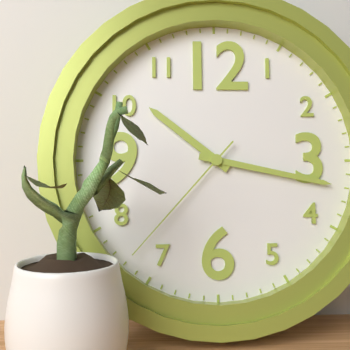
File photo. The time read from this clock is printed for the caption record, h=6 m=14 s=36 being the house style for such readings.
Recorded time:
h=10 m=17 s=37
